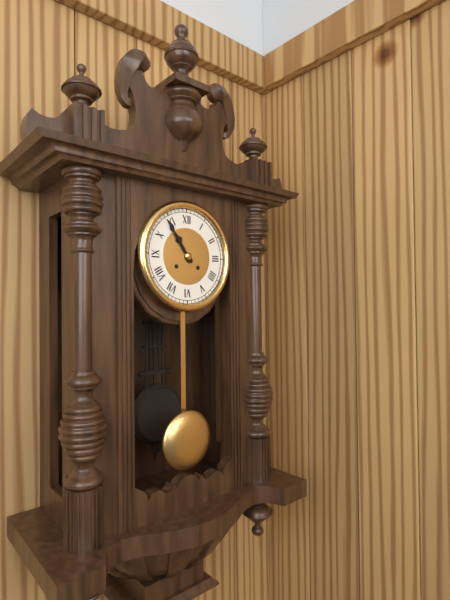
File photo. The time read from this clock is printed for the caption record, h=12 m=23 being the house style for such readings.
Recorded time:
h=10 m=54
